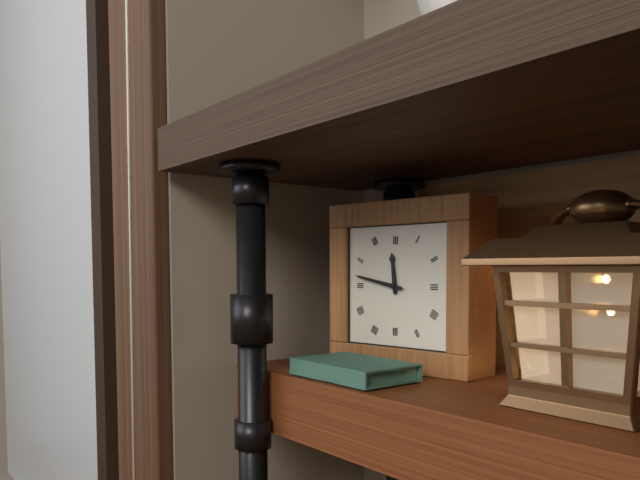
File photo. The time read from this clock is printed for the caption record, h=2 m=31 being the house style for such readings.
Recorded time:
h=11 m=47
